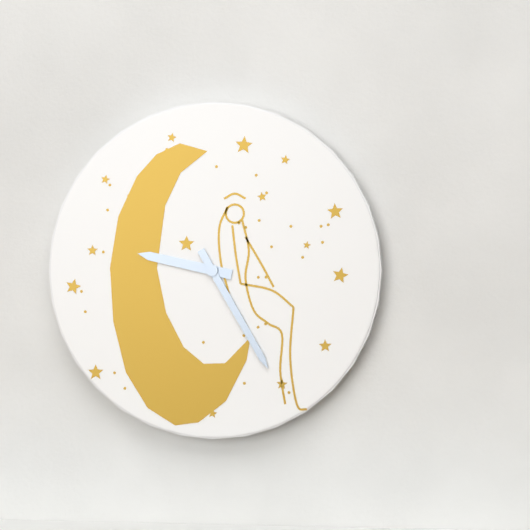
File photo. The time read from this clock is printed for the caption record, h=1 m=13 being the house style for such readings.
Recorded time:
h=9 m=25
